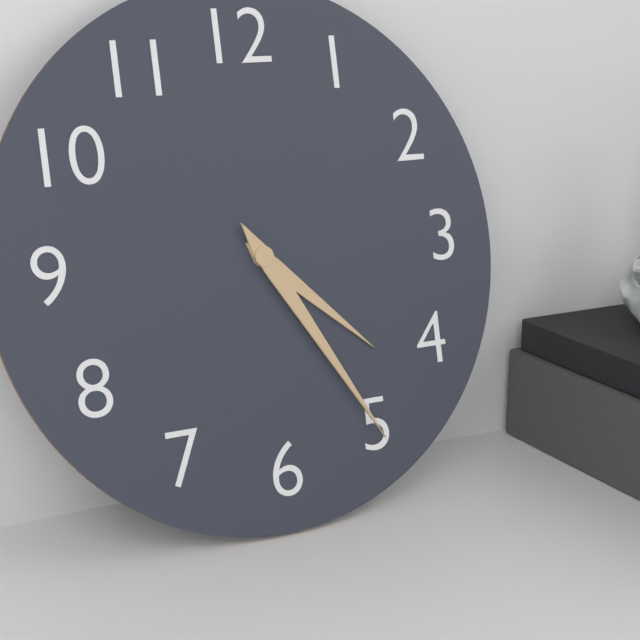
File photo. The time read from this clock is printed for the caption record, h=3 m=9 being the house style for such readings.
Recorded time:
h=4 m=25
